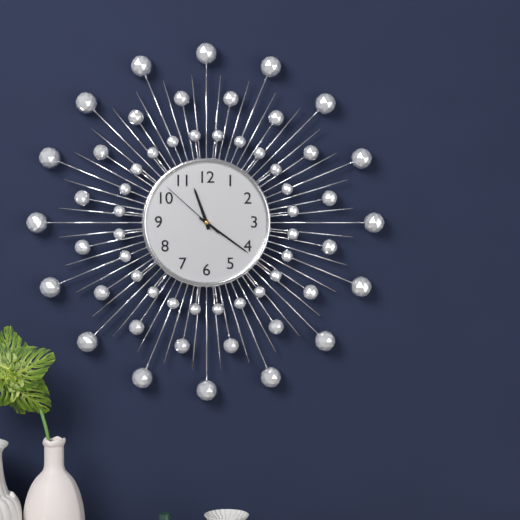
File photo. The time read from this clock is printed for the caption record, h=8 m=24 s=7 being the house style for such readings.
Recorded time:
h=11 m=21 s=52
